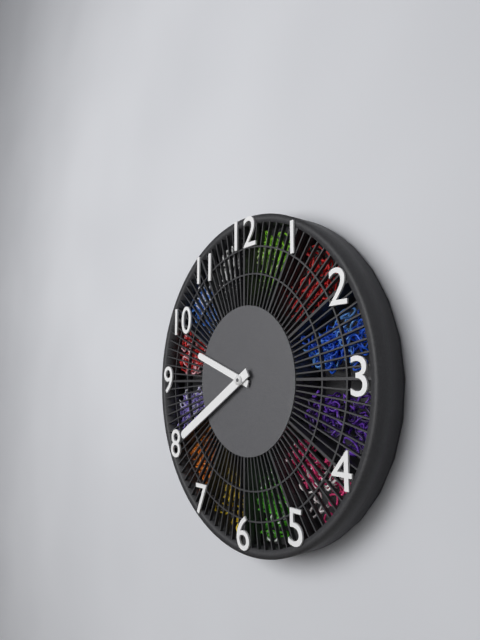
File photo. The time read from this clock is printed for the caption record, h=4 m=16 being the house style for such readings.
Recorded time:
h=9 m=40
